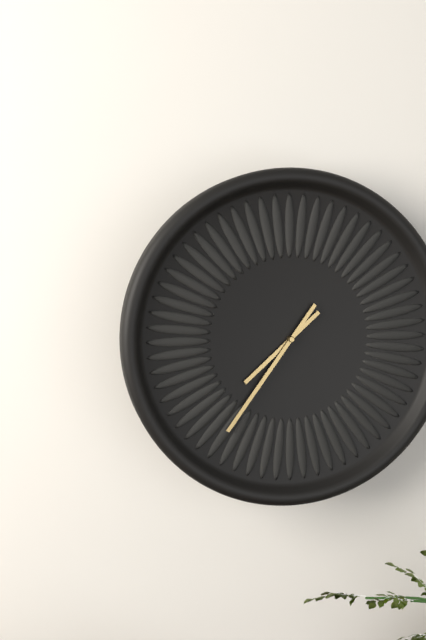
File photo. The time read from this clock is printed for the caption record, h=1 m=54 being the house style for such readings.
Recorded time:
h=7 m=36
